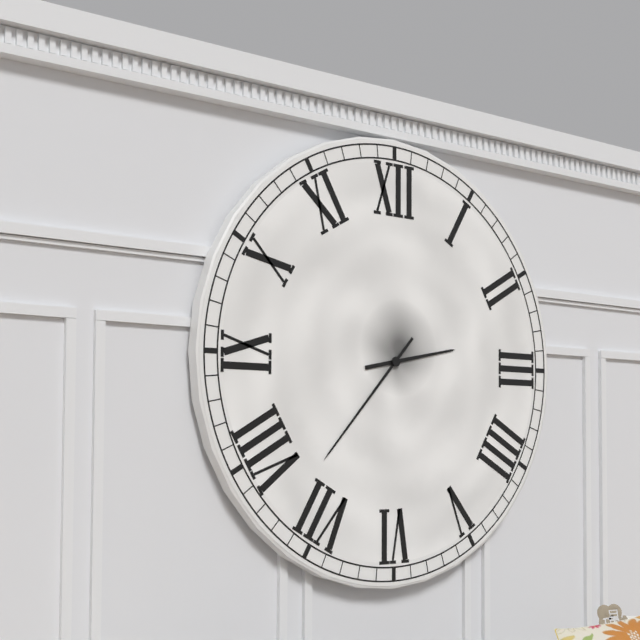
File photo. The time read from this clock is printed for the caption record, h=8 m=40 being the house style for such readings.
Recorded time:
h=2 m=37
